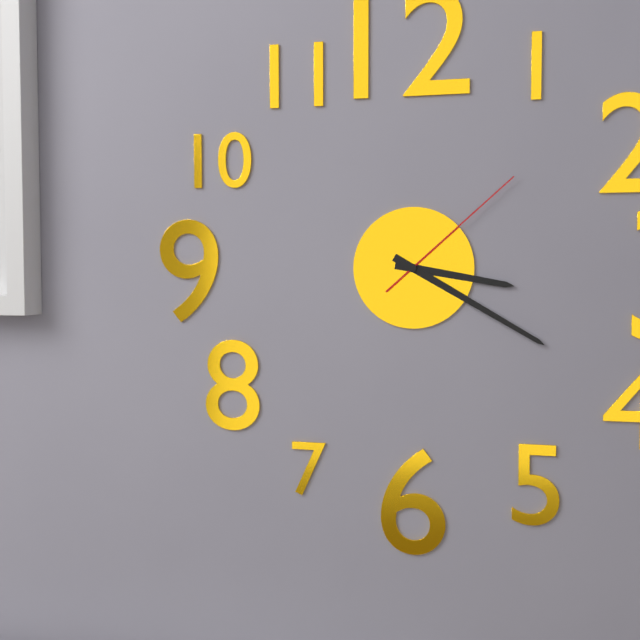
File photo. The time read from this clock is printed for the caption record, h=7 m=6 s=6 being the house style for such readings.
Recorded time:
h=3 m=20 s=8
